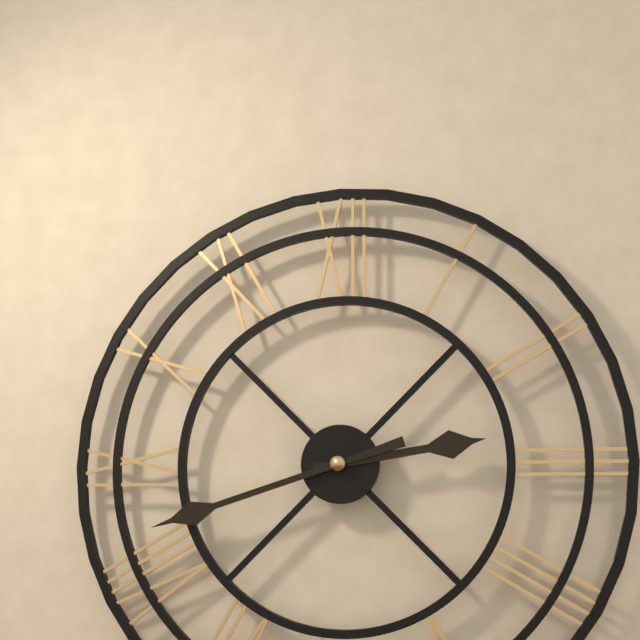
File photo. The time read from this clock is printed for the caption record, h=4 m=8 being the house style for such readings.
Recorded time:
h=2 m=42
